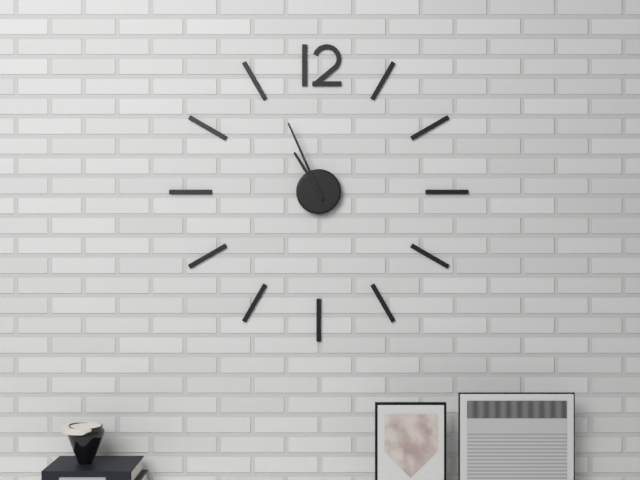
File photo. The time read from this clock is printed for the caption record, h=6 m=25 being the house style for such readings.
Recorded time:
h=10 m=56
